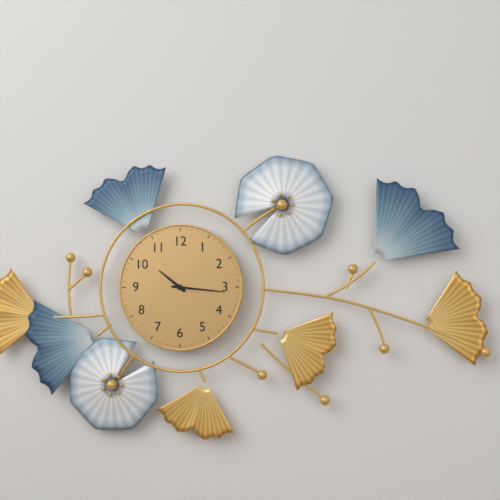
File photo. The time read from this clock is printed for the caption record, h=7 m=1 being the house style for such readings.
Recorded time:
h=10 m=16
